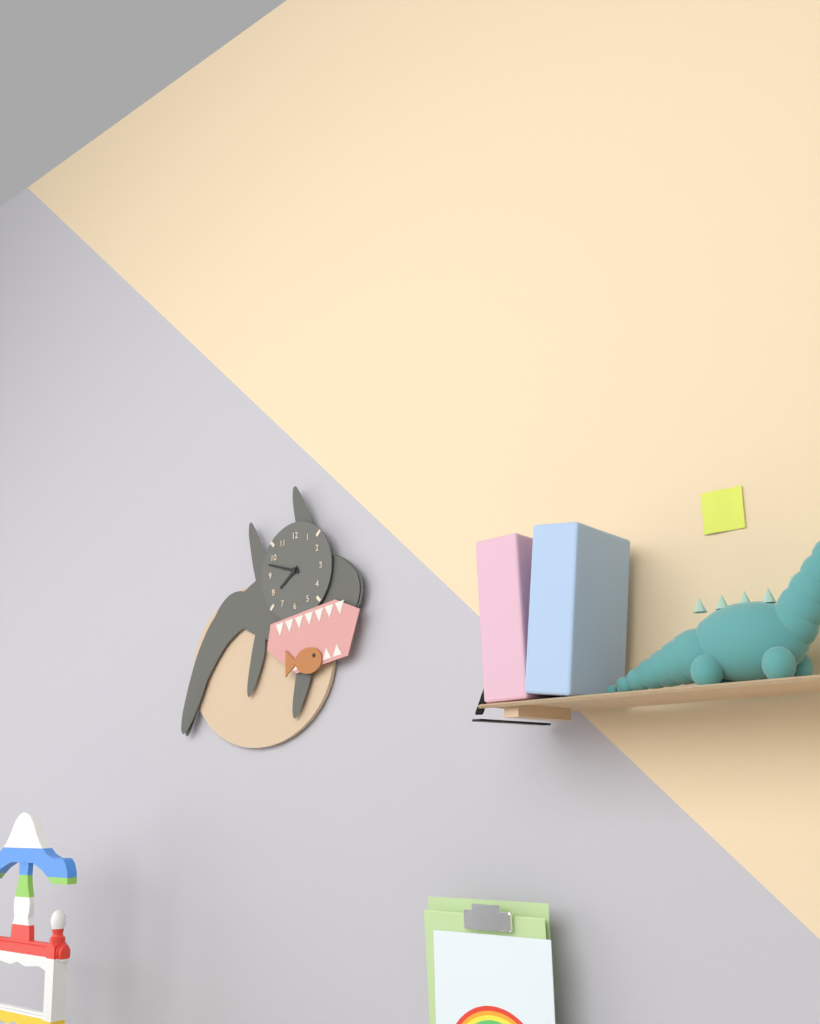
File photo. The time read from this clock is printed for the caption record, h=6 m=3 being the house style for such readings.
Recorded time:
h=7 m=48
